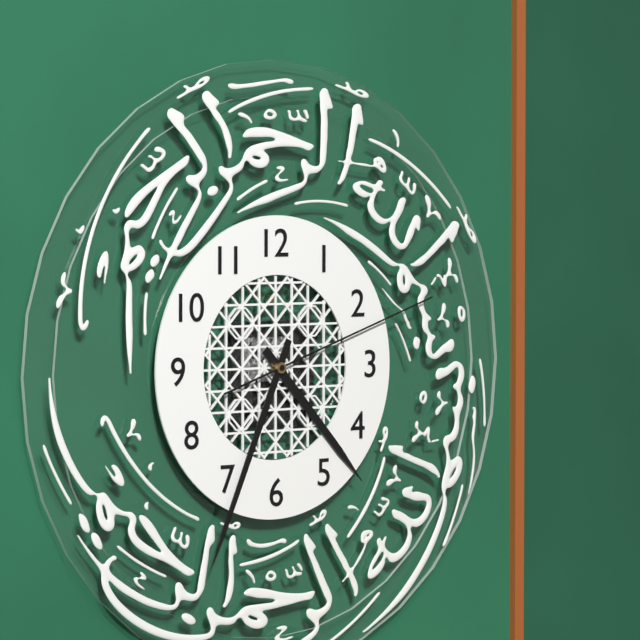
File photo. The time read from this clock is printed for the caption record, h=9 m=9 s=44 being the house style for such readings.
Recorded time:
h=4 m=34 s=12
